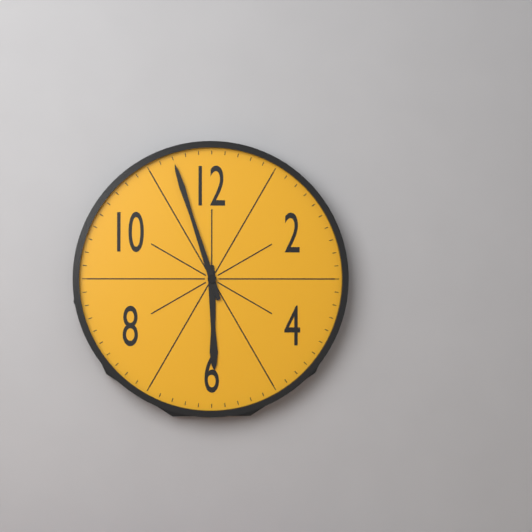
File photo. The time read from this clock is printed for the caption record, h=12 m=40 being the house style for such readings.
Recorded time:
h=5 m=57
